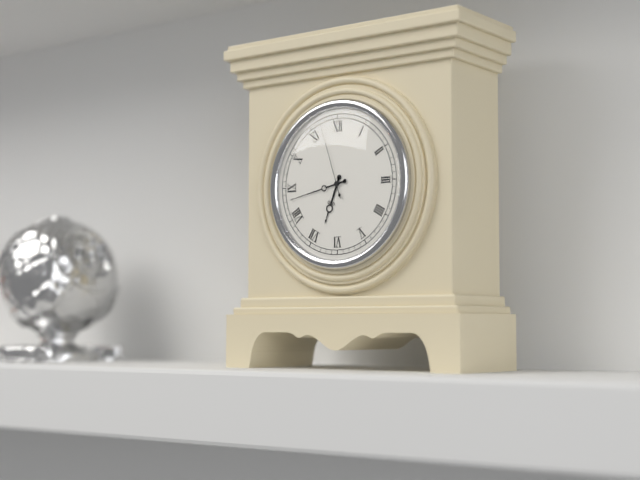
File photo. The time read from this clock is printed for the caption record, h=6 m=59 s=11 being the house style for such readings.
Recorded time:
h=6 m=43 s=57
